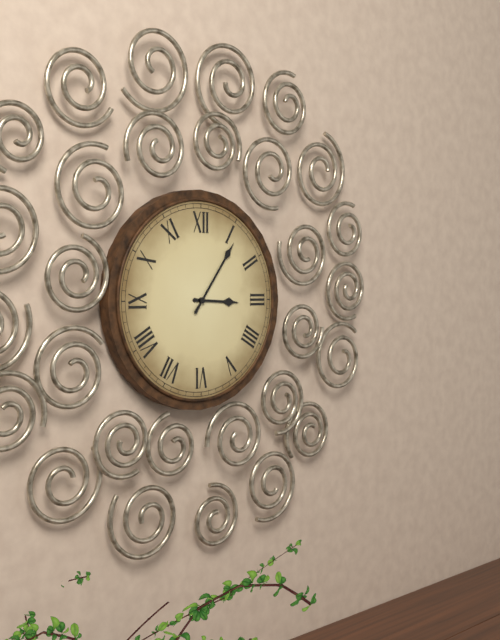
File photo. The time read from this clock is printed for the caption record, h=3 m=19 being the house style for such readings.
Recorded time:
h=3 m=6
